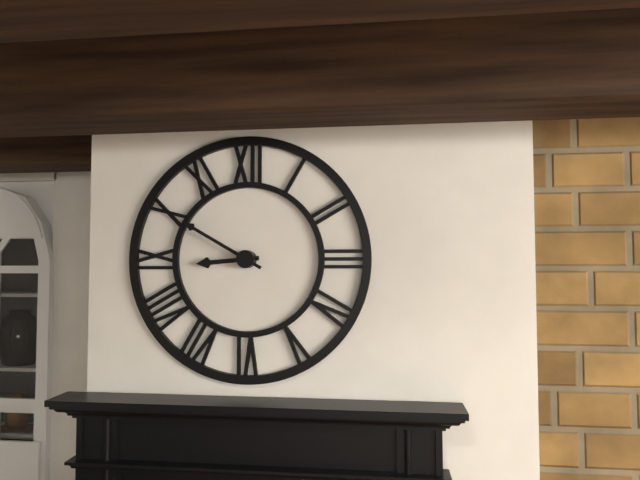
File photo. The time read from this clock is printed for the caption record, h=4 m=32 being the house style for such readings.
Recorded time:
h=8 m=50
